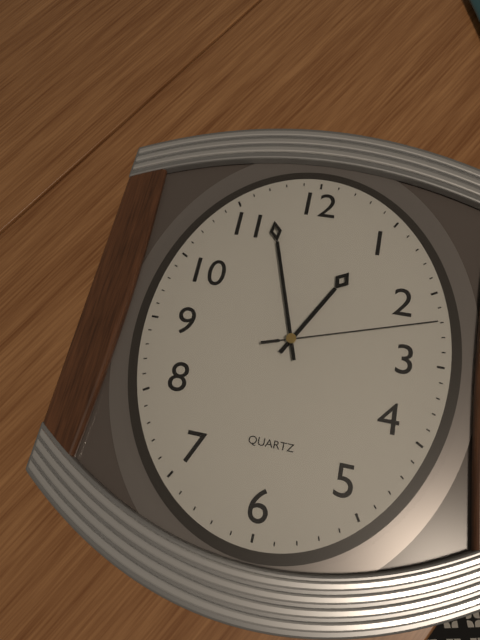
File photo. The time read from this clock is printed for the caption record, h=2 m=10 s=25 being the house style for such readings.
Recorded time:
h=12 m=57 s=12
